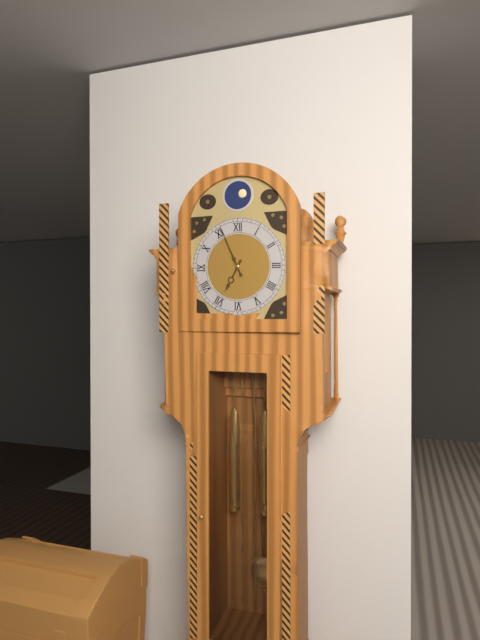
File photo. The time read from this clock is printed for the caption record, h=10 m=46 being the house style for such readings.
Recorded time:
h=6 m=56
